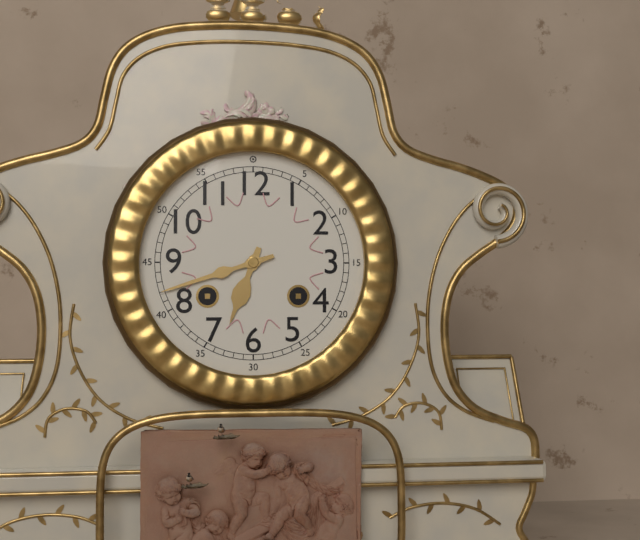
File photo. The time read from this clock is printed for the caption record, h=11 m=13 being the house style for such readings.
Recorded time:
h=6 m=42
